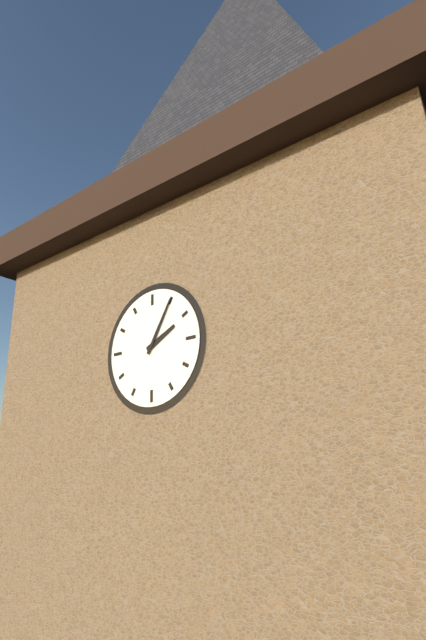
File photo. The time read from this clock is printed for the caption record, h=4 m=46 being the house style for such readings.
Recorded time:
h=2 m=5
